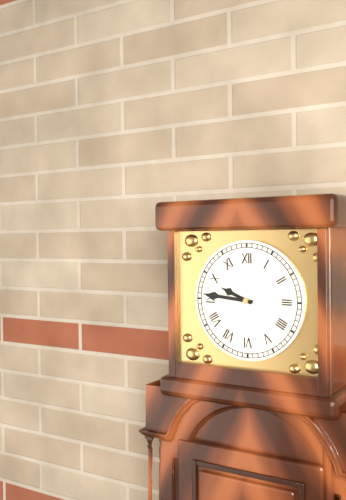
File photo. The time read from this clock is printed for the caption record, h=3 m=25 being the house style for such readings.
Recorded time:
h=9 m=46
